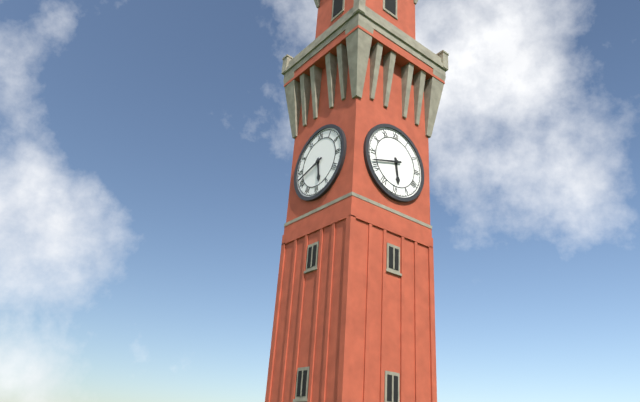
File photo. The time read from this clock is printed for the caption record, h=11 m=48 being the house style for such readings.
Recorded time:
h=5 m=42
